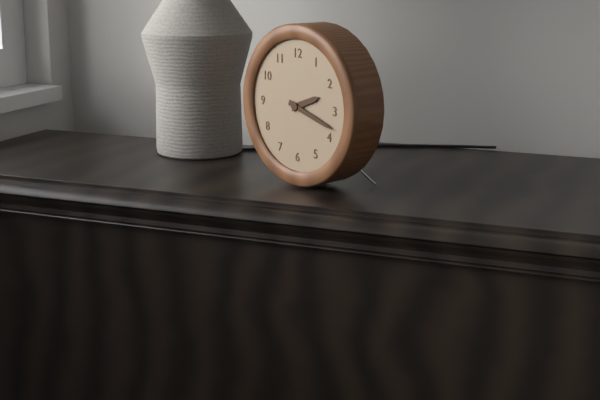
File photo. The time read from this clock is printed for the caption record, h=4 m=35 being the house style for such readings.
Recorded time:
h=2 m=18
